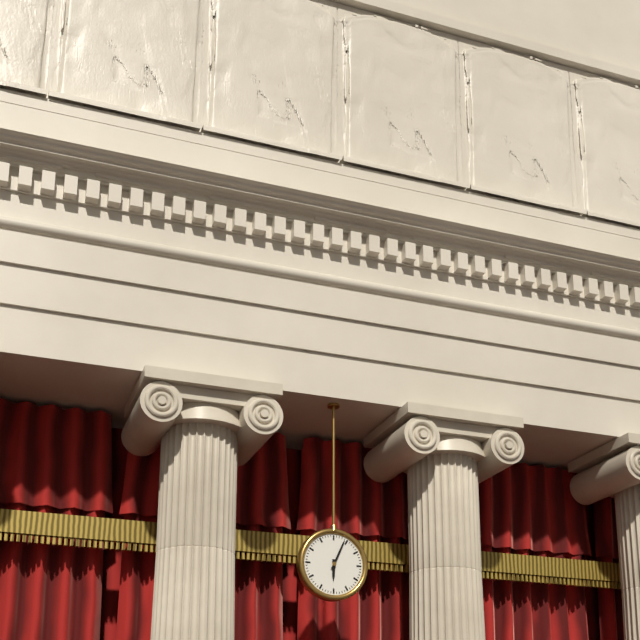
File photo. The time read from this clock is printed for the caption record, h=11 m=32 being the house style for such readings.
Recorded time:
h=6 m=4
